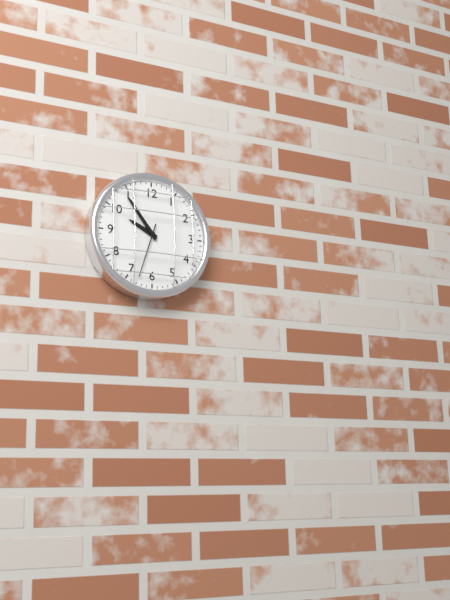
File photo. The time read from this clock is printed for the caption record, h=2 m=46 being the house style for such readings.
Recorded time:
h=9 m=54
